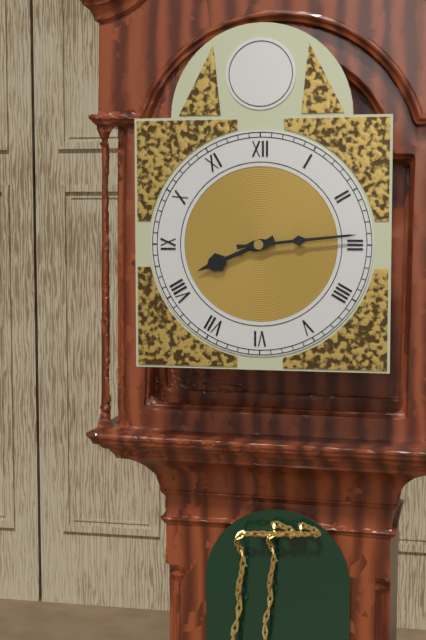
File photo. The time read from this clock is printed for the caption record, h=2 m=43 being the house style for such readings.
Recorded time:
h=8 m=14
